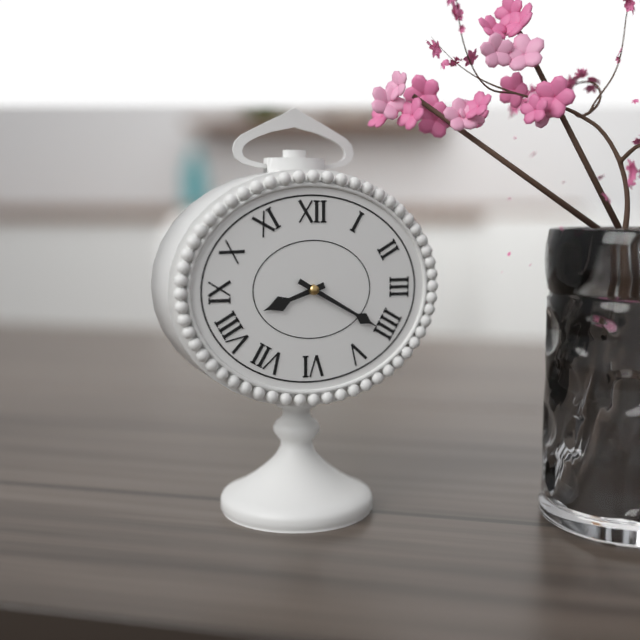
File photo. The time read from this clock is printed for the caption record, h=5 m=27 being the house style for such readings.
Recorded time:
h=8 m=20
